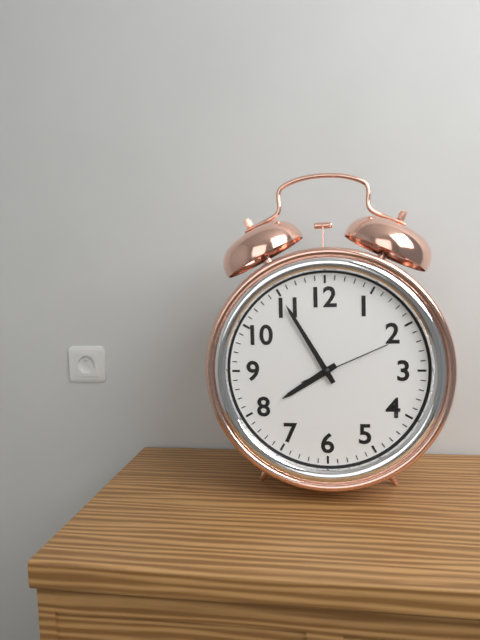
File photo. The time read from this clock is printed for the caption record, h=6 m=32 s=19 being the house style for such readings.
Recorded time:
h=7 m=55 s=11
